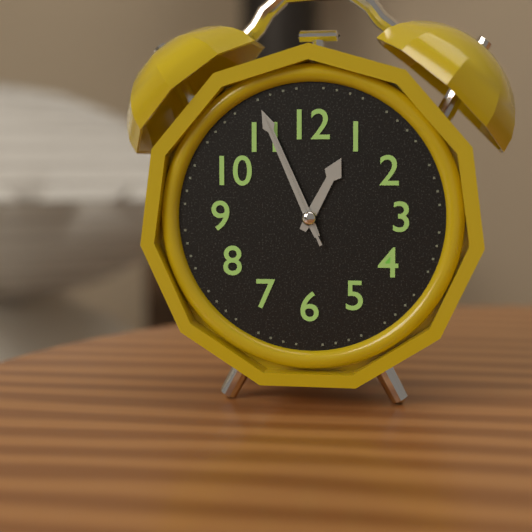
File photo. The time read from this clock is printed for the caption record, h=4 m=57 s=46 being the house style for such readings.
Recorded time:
h=12 m=56 s=56
